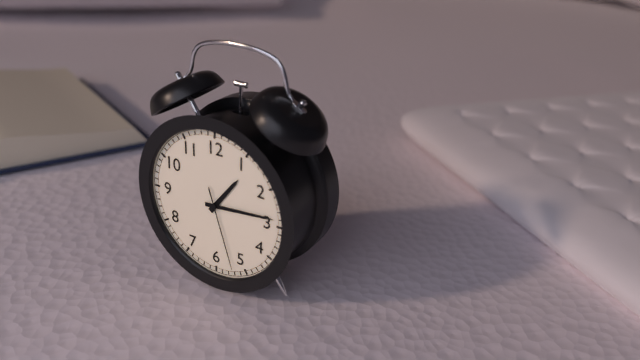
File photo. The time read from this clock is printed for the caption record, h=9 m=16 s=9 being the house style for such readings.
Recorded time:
h=1 m=14 s=27
